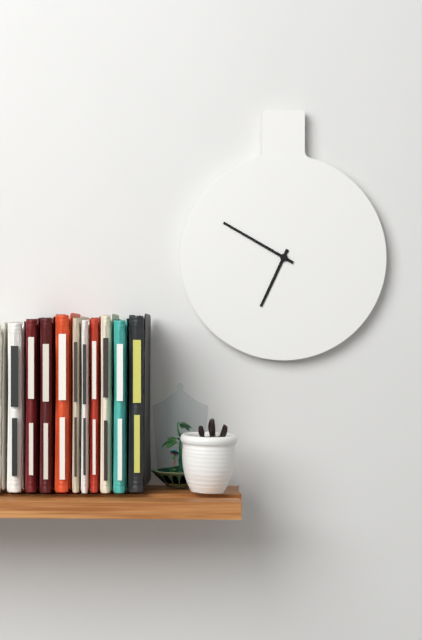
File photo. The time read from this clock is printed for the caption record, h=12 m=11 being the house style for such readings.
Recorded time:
h=6 m=50
